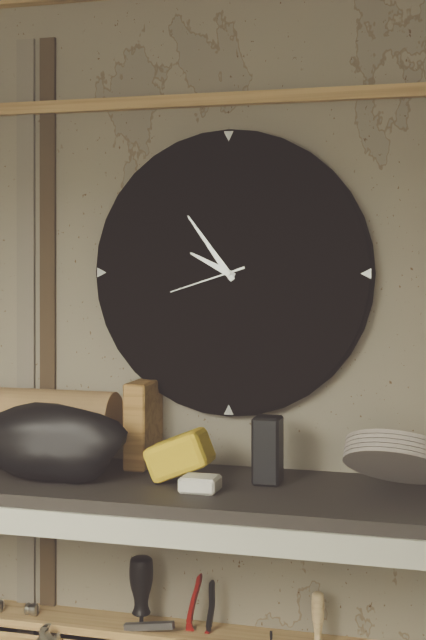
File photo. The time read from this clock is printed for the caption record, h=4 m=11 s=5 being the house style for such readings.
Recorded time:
h=9 m=54 s=42
